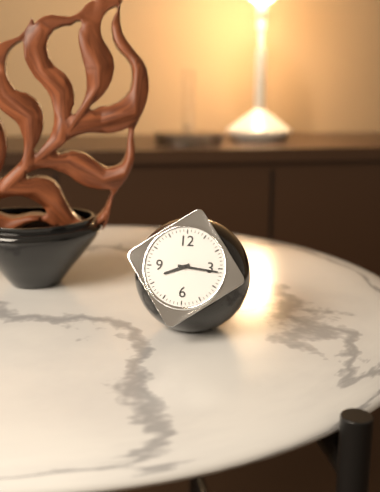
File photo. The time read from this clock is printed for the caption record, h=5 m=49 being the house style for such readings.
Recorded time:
h=8 m=16
